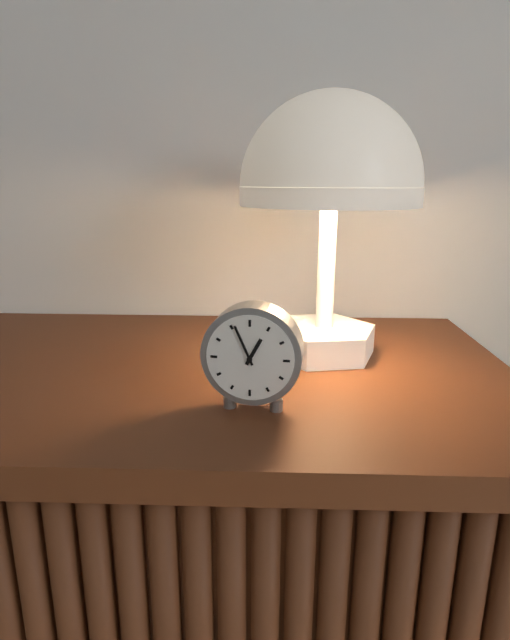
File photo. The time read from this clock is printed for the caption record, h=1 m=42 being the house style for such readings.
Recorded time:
h=12 m=56
